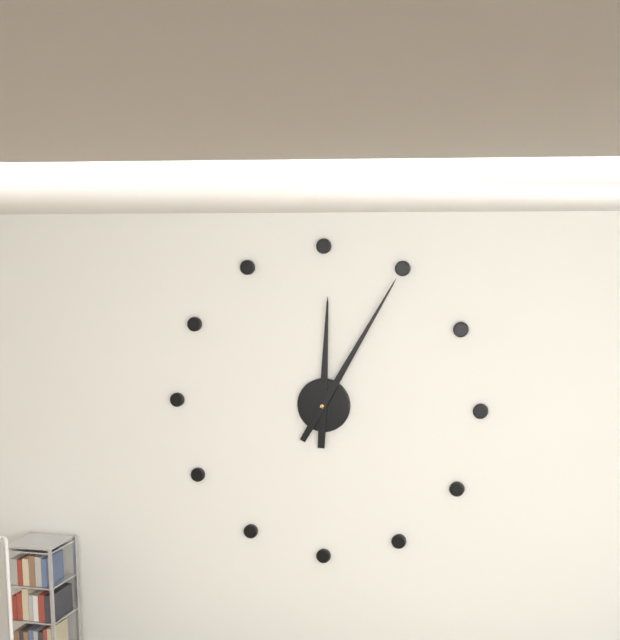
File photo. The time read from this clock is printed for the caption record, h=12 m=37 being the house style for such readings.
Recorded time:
h=12 m=5
